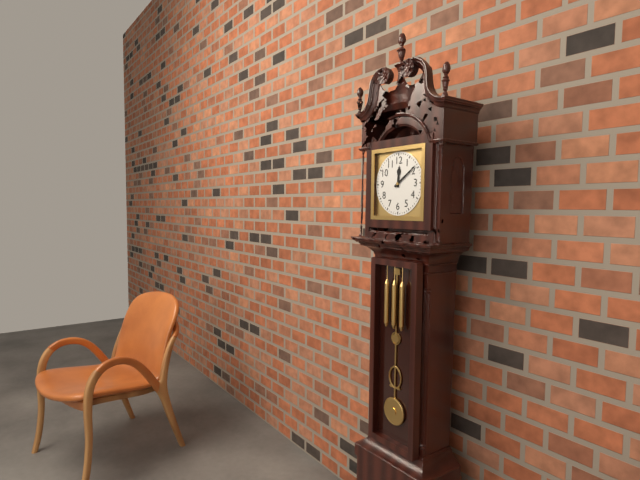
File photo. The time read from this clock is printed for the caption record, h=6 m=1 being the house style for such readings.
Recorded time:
h=12 m=9
